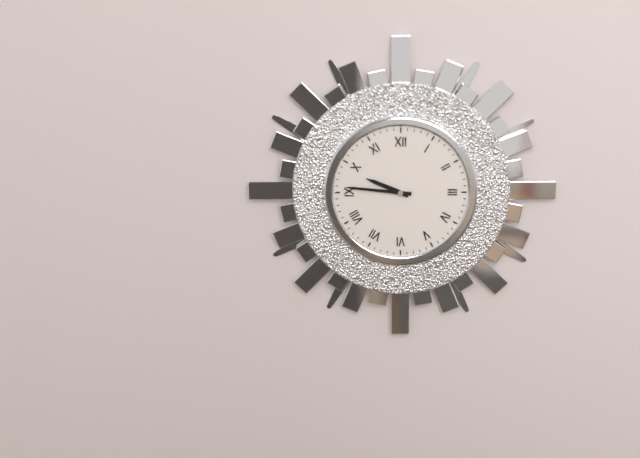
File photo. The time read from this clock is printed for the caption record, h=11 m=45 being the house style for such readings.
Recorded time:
h=9 m=46
